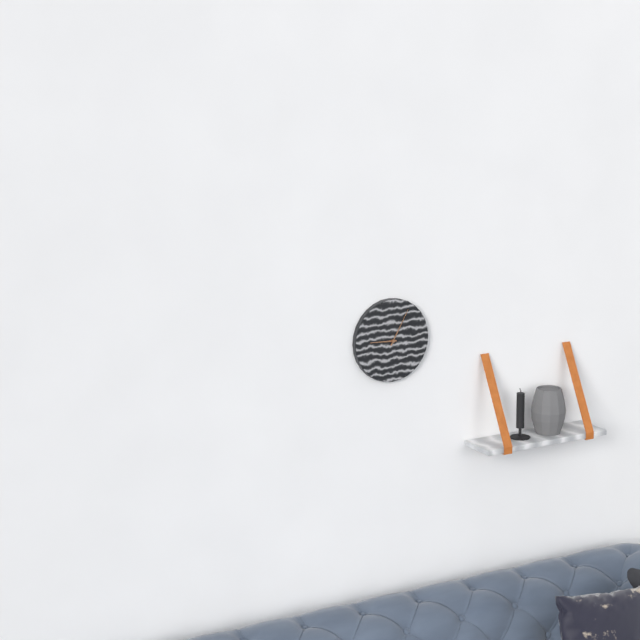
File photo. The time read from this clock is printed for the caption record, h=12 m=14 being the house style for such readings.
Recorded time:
h=9 m=5
